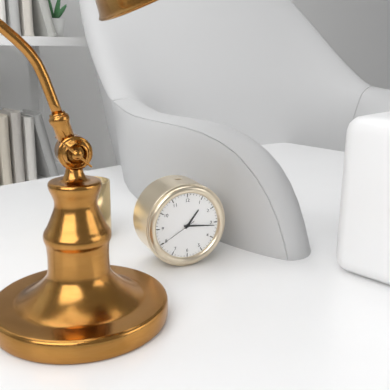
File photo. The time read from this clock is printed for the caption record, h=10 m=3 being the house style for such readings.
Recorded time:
h=1 m=16
